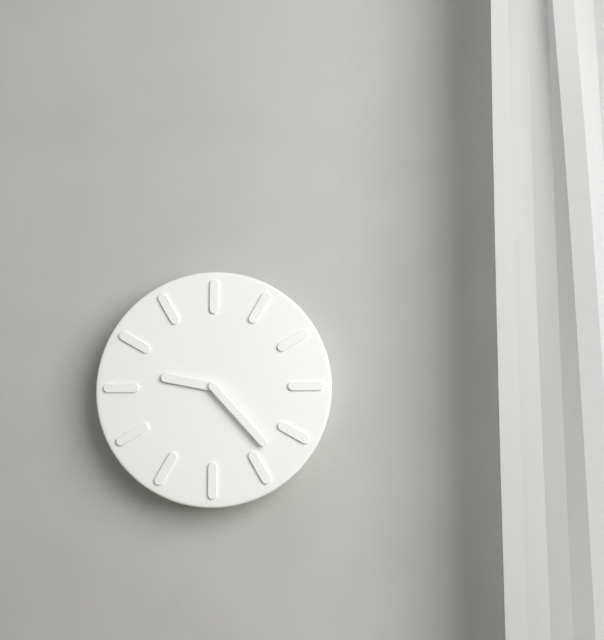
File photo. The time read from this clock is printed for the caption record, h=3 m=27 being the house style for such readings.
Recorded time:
h=9 m=23
